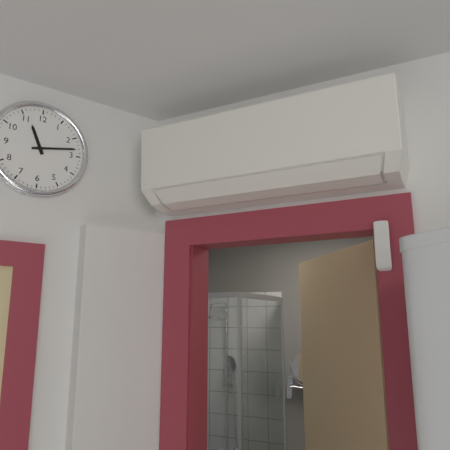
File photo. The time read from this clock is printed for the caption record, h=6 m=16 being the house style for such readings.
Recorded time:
h=11 m=13
